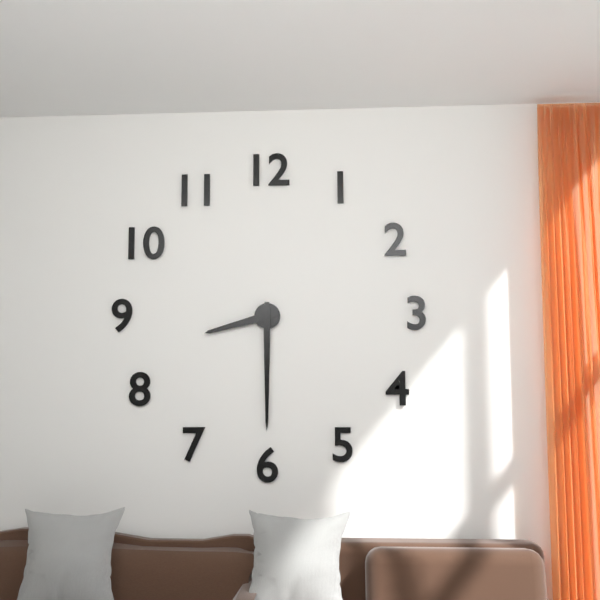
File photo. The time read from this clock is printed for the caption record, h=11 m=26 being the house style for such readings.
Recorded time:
h=8 m=30
